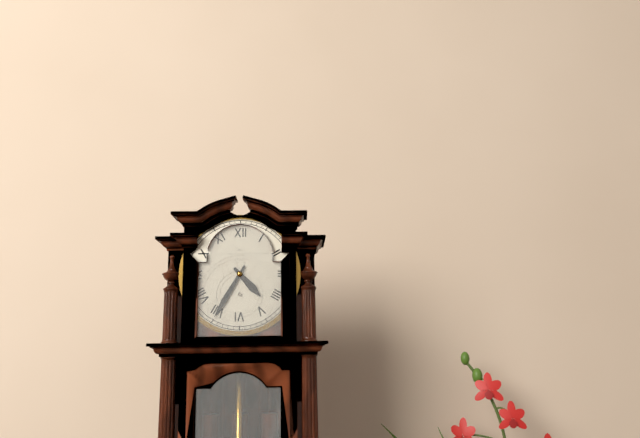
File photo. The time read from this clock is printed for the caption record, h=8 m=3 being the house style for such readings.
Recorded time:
h=4 m=35
